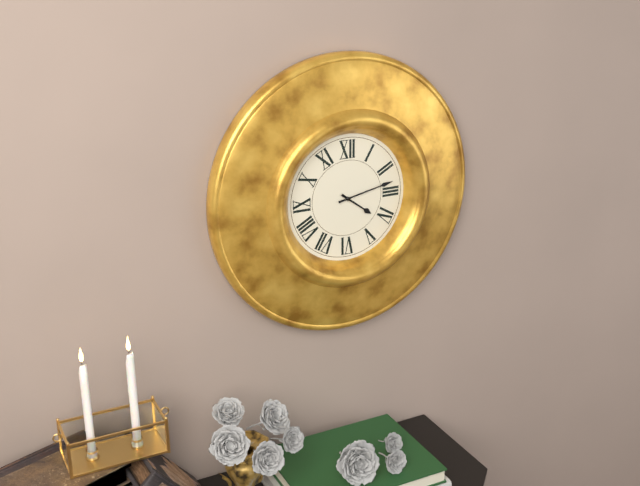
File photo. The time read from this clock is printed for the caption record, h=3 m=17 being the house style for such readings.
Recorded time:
h=4 m=13
